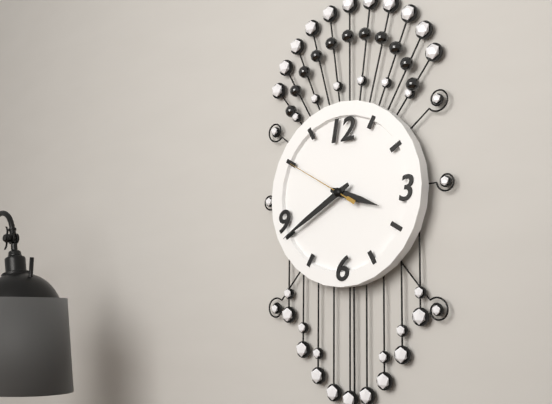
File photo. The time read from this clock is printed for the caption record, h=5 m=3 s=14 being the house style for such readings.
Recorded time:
h=3 m=40 s=50
